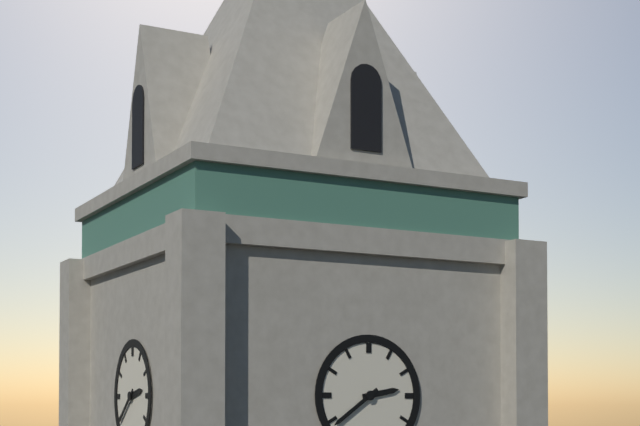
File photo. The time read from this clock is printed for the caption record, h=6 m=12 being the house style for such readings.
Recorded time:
h=2 m=39
